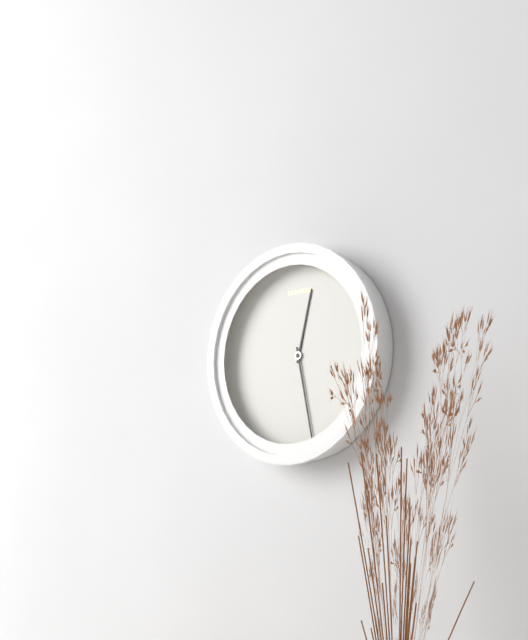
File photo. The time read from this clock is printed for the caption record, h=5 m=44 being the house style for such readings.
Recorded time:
h=12 m=28
